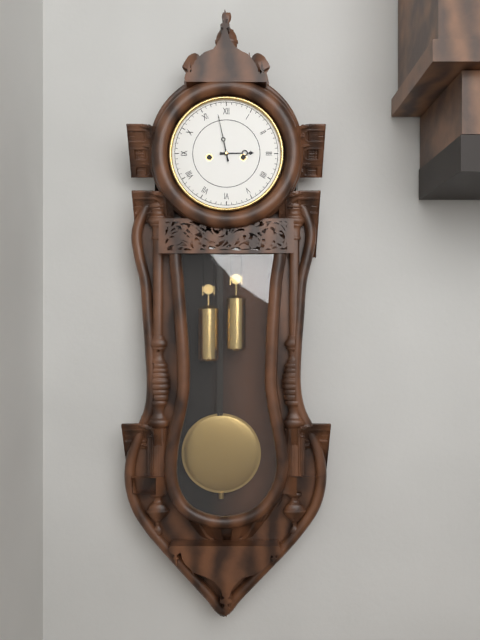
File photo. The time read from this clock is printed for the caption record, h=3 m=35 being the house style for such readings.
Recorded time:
h=2 m=58
